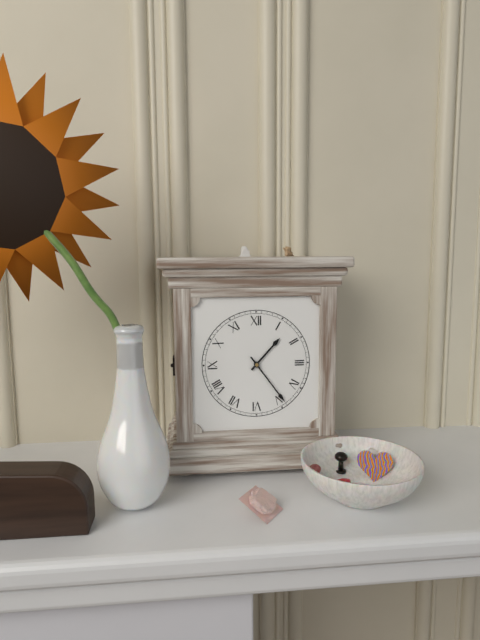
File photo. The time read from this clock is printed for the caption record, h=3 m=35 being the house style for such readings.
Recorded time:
h=1 m=24
